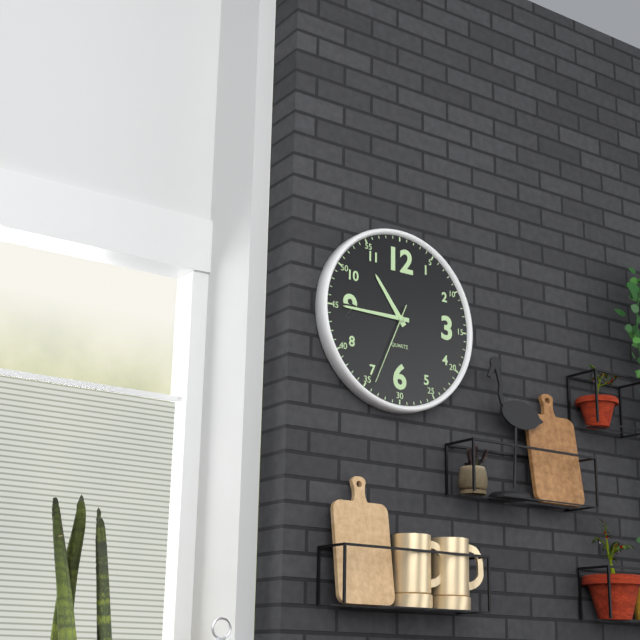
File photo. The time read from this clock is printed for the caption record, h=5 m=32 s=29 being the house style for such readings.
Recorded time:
h=10 m=45 s=34
